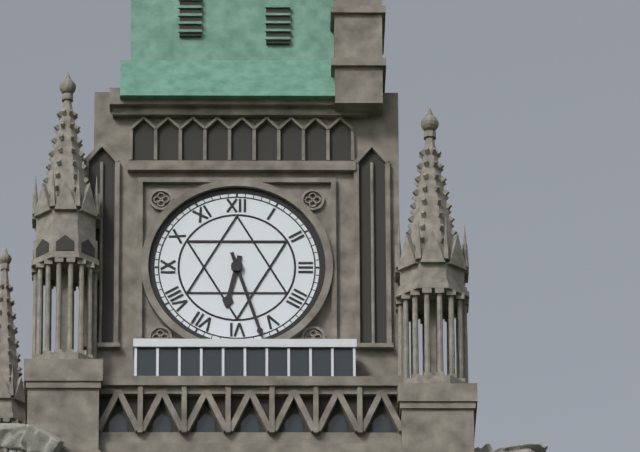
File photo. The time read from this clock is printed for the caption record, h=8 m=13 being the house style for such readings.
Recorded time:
h=6 m=27
